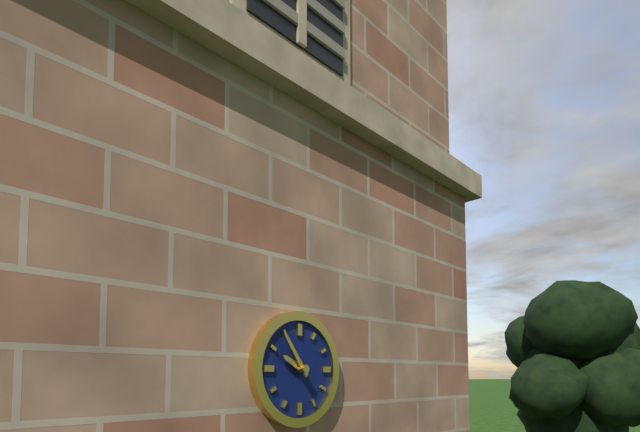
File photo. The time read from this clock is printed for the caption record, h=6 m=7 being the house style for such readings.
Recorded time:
h=9 m=54
